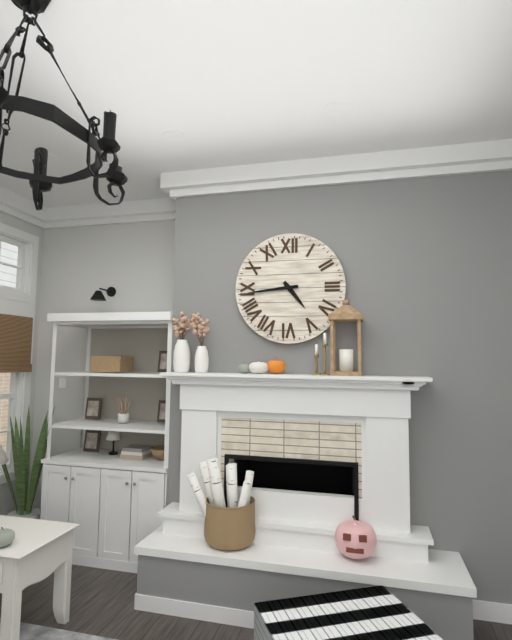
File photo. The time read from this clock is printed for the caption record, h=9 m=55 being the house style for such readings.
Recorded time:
h=4 m=44
